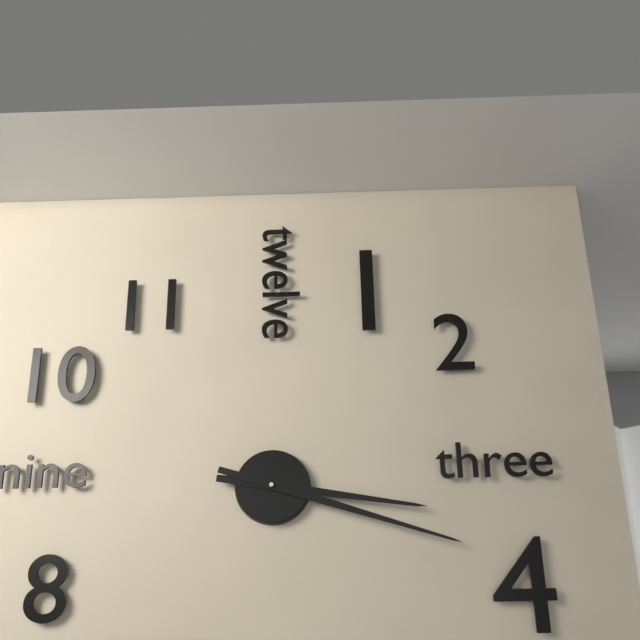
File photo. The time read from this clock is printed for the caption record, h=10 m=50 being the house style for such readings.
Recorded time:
h=3 m=18
